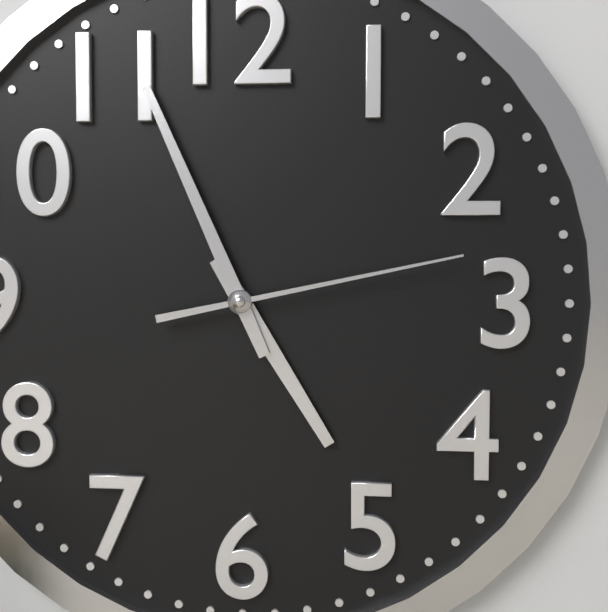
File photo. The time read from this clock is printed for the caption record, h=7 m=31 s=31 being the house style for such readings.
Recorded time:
h=4 m=56 s=13
